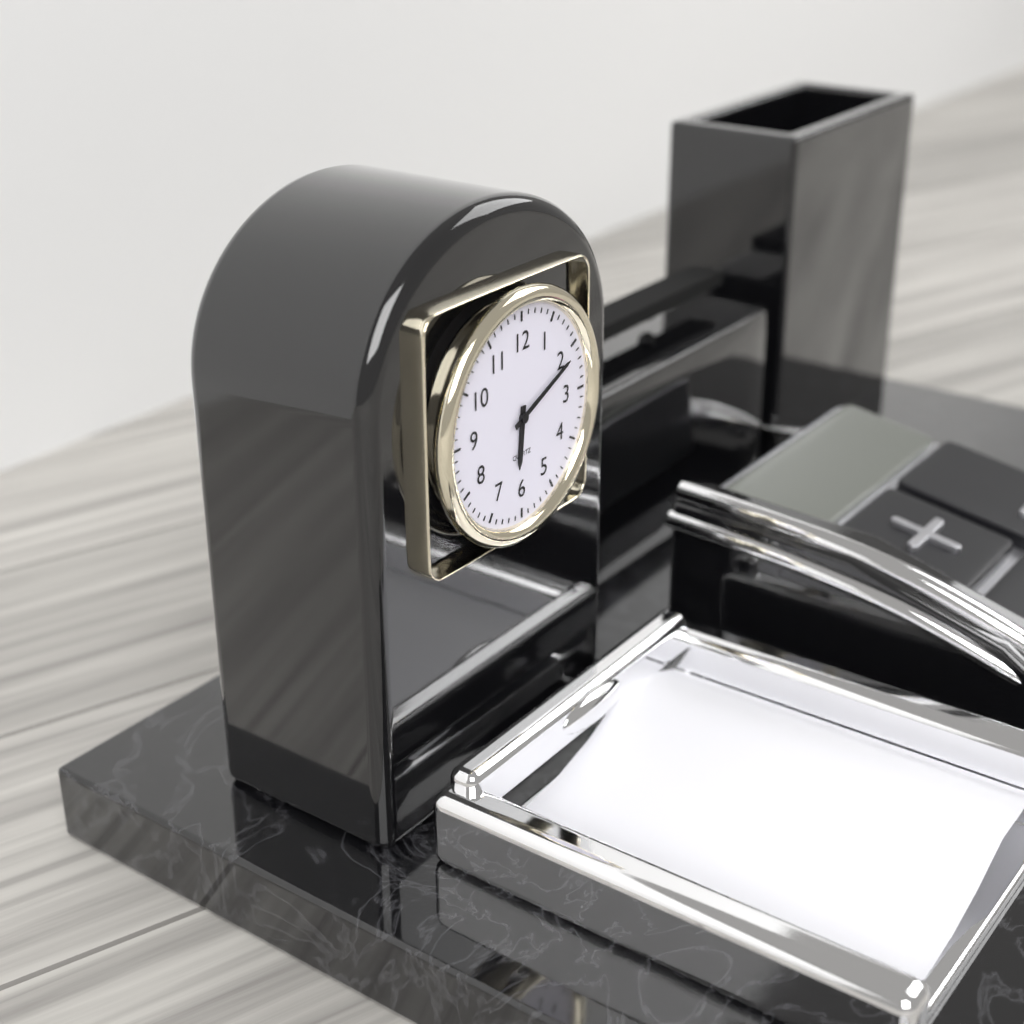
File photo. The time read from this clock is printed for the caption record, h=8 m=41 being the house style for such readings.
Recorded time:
h=6 m=11
